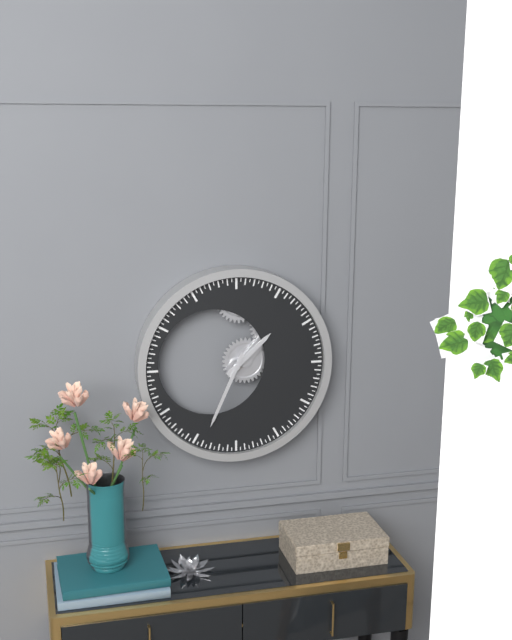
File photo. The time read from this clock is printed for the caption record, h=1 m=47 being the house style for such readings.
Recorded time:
h=1 m=34
